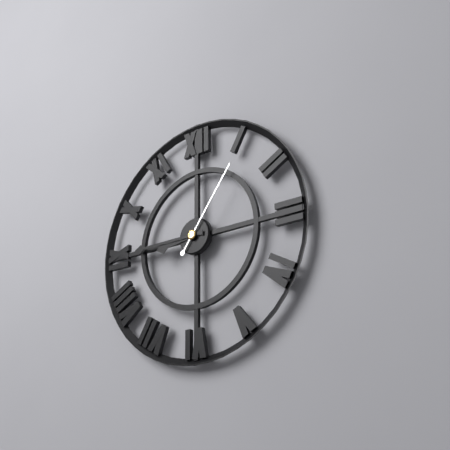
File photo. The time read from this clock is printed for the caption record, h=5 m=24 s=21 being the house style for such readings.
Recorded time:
h=8 m=45 s=6
